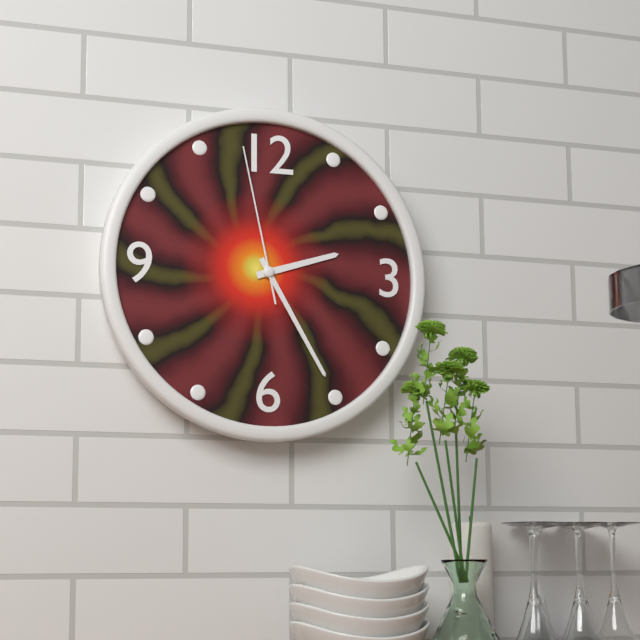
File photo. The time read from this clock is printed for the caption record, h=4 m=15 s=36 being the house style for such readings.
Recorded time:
h=2 m=25 s=58
